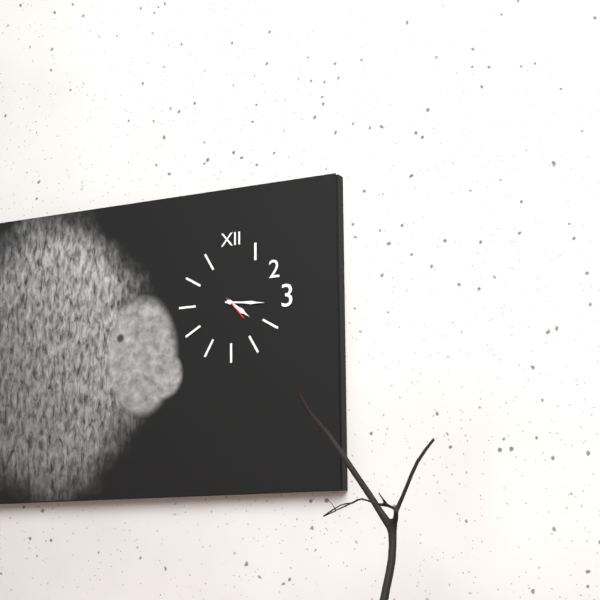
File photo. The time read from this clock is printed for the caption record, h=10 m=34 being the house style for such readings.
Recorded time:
h=4 m=16
